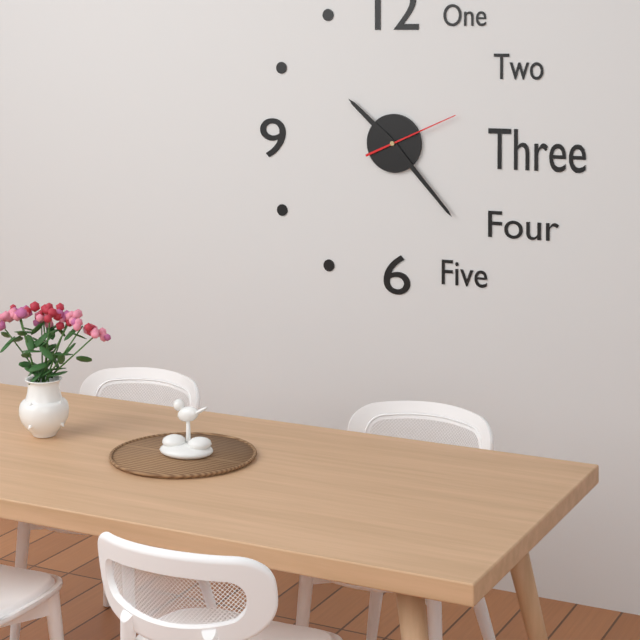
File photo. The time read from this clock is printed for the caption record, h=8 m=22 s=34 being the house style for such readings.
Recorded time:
h=10 m=23 s=11
